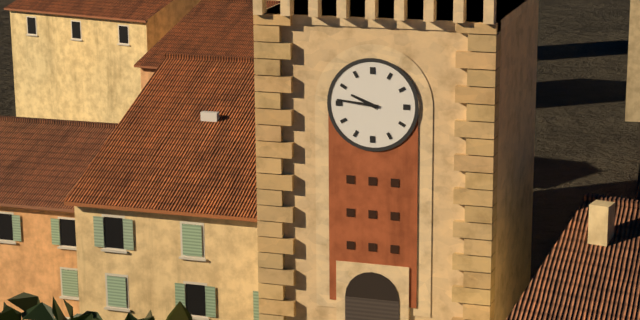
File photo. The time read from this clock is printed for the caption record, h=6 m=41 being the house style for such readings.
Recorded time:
h=9 m=46
